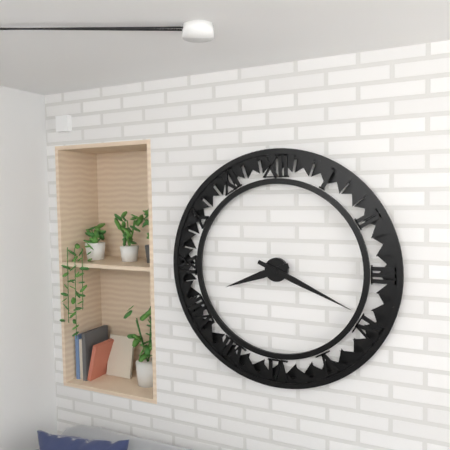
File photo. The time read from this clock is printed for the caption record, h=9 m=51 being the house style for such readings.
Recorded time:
h=8 m=19
